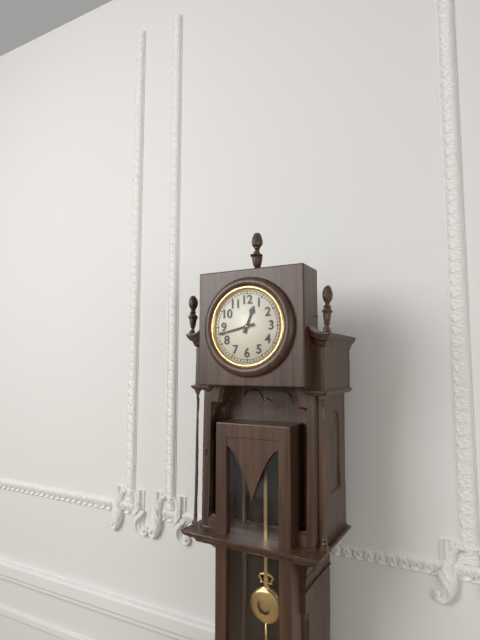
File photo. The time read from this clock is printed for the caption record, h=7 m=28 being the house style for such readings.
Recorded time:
h=12 m=43
